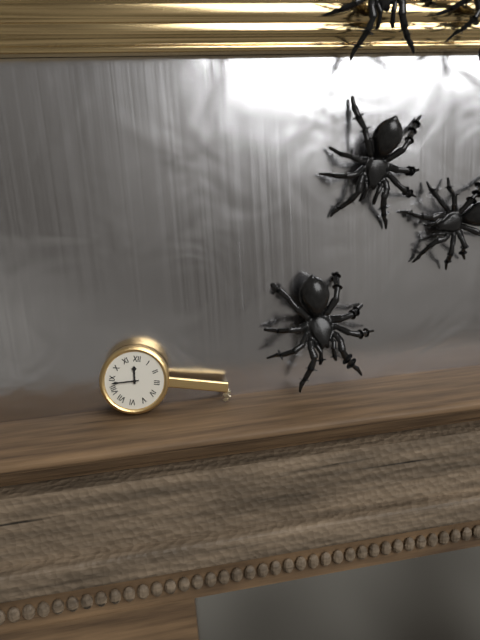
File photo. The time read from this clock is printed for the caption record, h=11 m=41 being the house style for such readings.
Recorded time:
h=11 m=43
